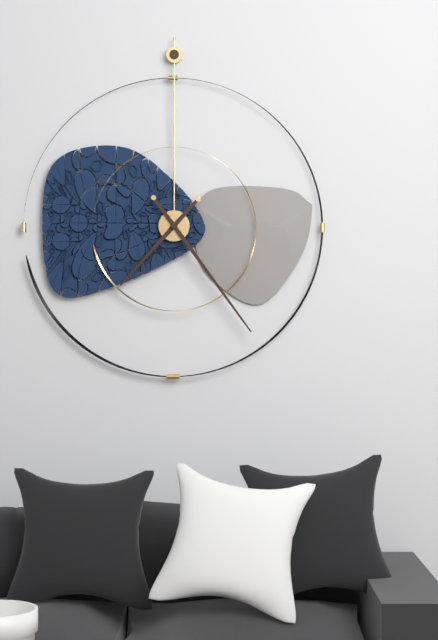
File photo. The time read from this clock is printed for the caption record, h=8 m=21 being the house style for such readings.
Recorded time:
h=7 m=24
